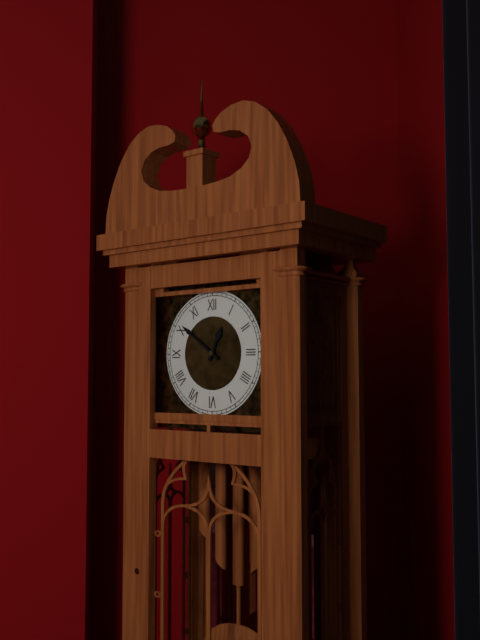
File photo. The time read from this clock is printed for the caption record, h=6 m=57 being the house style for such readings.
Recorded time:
h=12 m=51
